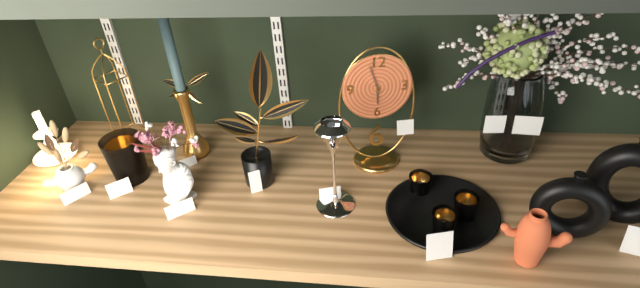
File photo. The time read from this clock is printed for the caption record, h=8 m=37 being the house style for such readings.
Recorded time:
h=5 m=57
